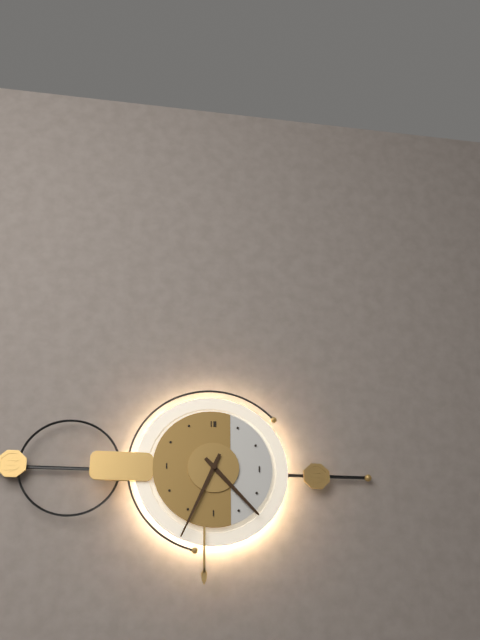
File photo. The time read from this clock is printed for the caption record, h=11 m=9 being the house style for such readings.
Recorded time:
h=4 m=34
